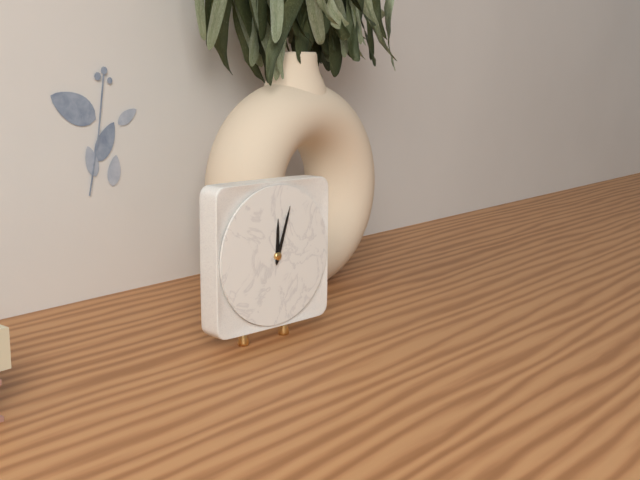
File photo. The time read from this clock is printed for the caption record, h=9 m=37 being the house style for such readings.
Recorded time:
h=12 m=3
